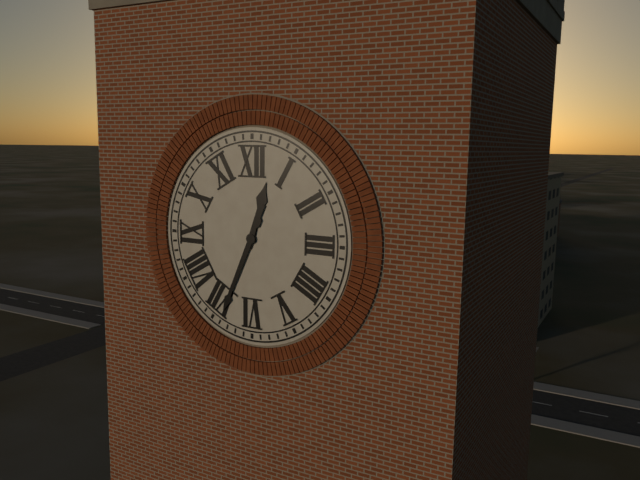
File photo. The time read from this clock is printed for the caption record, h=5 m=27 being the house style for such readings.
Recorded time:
h=12 m=34
